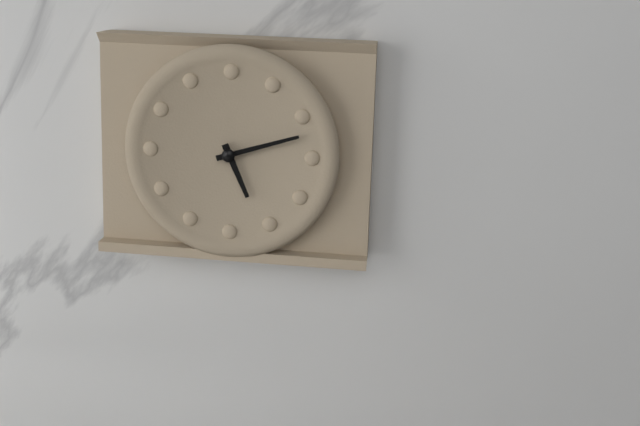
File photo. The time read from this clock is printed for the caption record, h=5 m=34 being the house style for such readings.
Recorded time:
h=5 m=12
